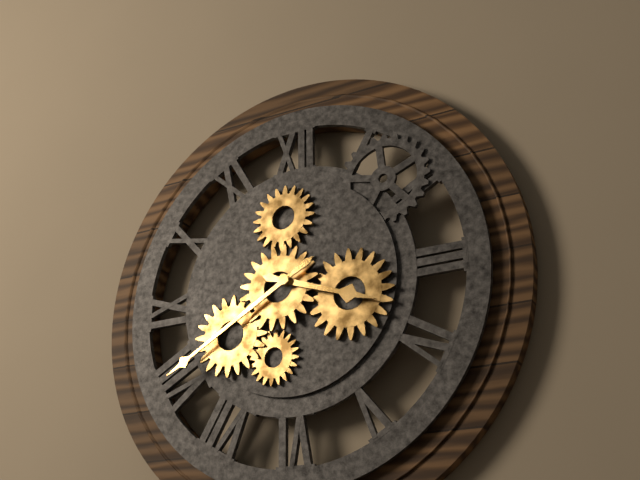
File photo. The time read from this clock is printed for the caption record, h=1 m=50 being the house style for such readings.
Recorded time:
h=3 m=40
